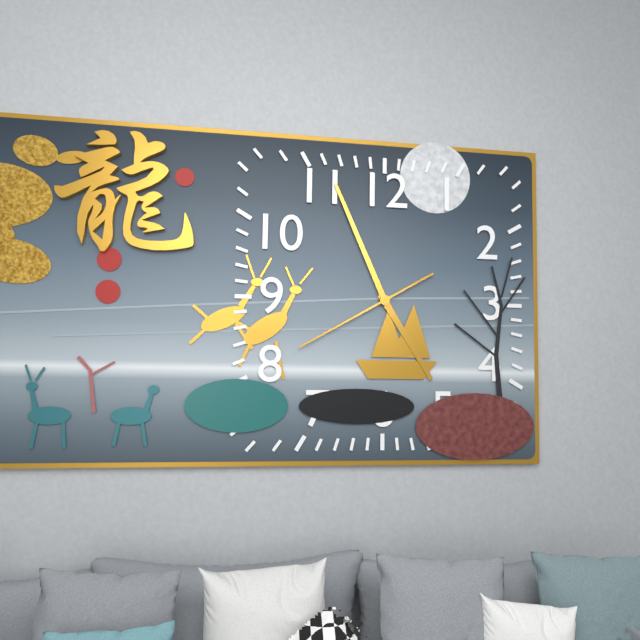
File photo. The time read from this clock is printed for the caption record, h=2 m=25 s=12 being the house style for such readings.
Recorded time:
h=4 m=56 s=40
